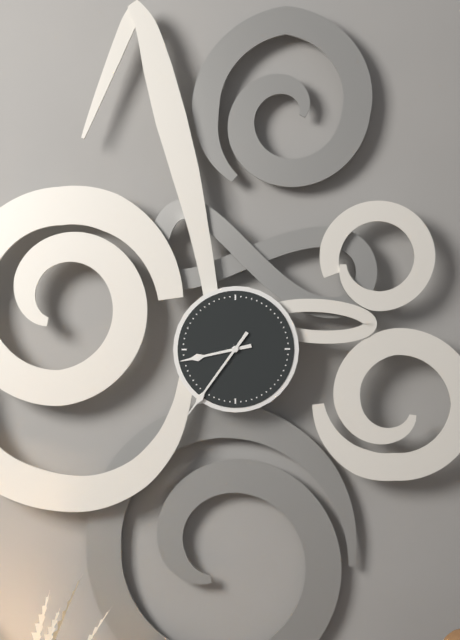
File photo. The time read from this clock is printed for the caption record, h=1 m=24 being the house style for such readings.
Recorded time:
h=8 m=36
